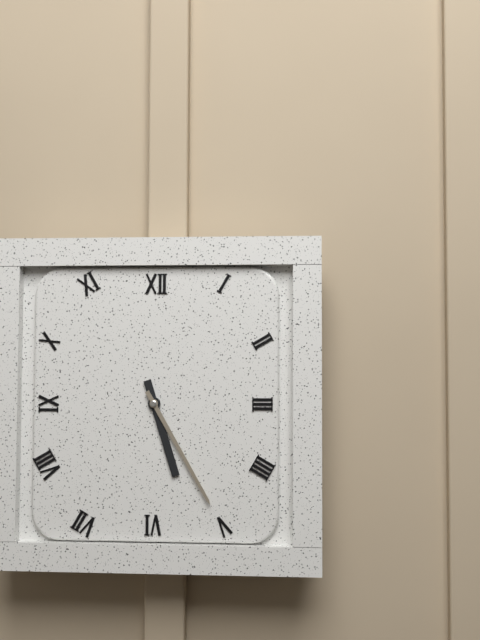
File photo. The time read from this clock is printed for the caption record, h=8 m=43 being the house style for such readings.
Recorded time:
h=5 m=25
